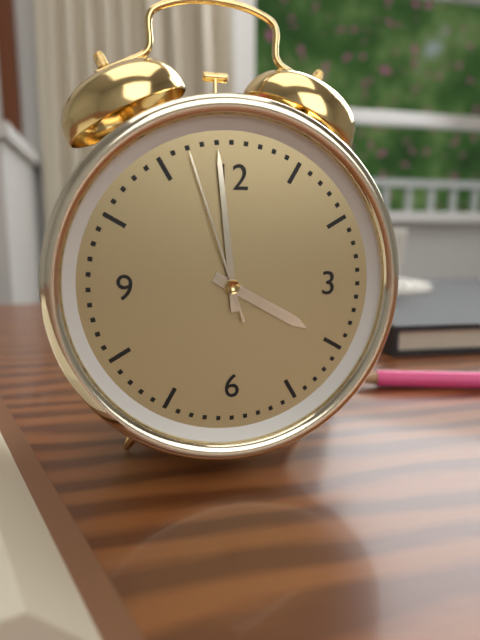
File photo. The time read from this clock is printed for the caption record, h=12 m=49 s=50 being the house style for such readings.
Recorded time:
h=3 m=59 s=57
